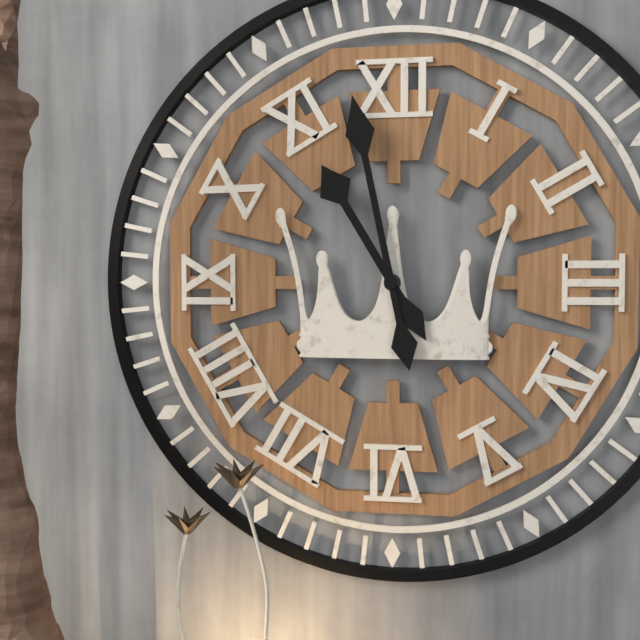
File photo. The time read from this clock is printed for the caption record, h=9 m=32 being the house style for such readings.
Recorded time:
h=10 m=58
